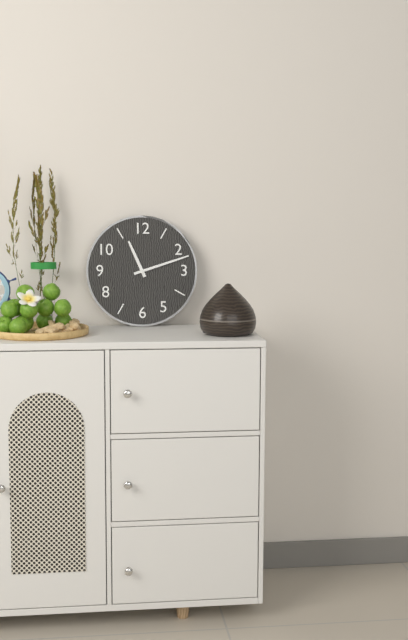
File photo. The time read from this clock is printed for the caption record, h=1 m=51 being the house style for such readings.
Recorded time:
h=11 m=12
